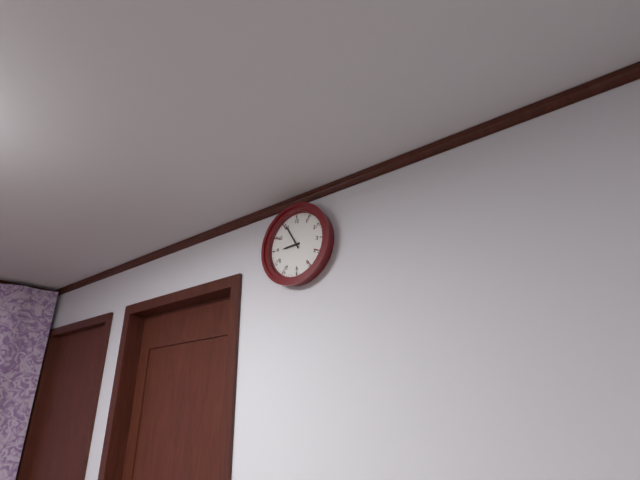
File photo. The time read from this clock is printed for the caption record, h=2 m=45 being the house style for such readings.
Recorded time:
h=8 m=55
